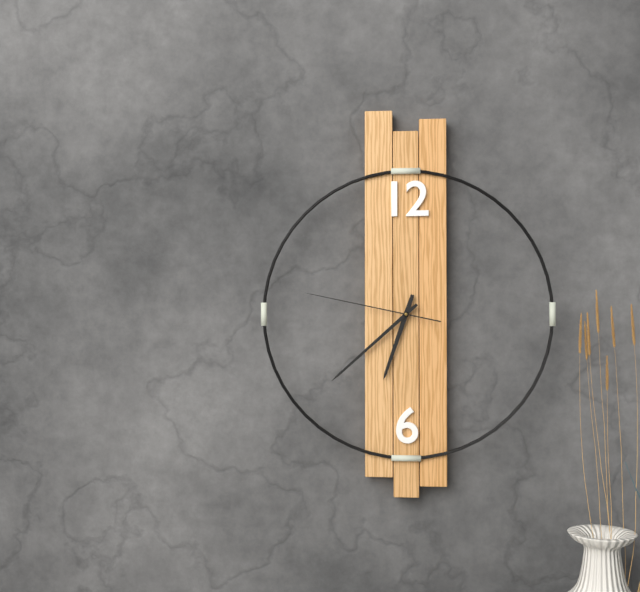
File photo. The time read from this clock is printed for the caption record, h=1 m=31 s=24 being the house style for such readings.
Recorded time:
h=6 m=38 s=47
